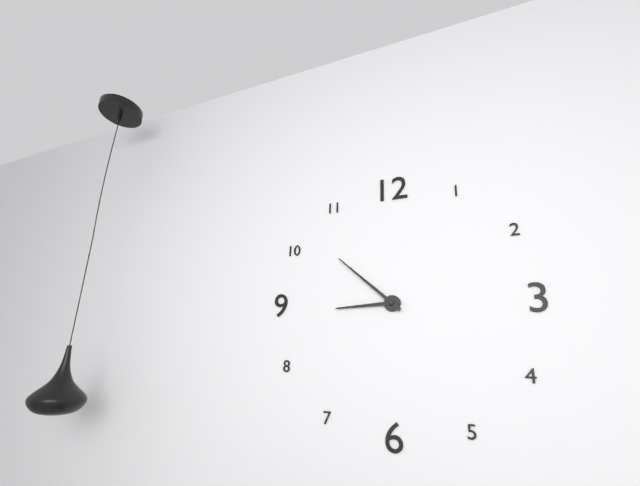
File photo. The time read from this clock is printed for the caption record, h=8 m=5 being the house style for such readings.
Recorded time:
h=8 m=52
